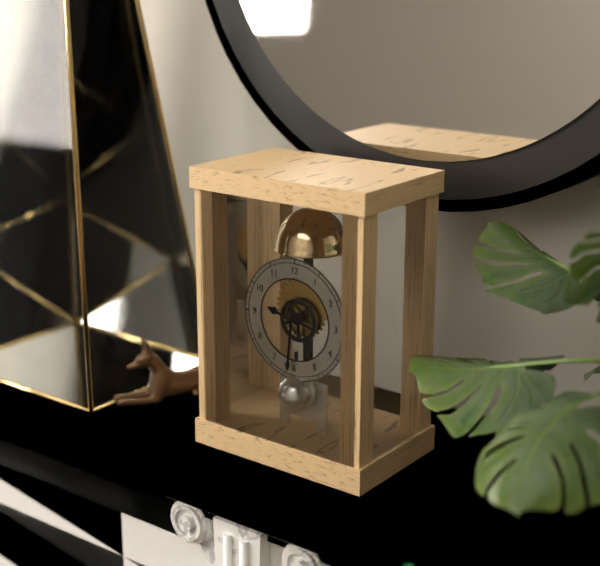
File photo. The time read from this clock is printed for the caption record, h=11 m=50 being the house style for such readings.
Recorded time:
h=9 m=31
